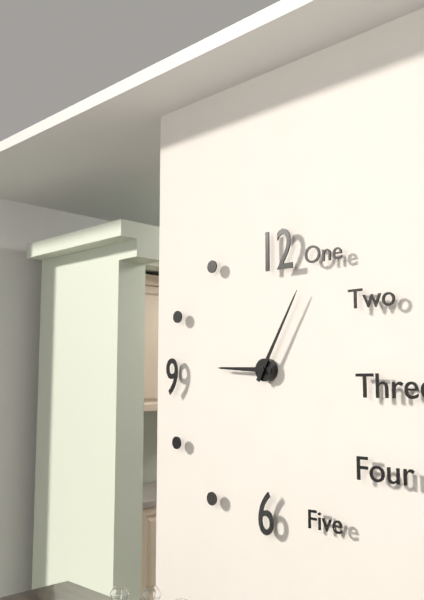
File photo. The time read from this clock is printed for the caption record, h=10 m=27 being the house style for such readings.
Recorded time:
h=9 m=5
